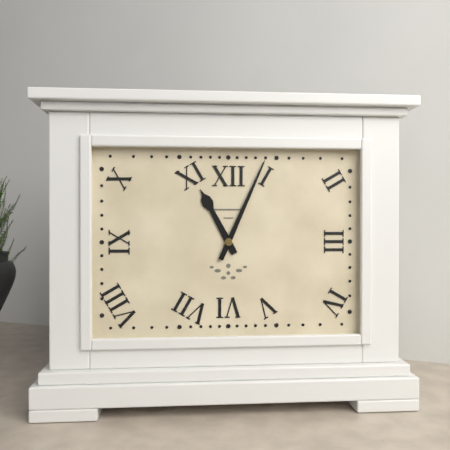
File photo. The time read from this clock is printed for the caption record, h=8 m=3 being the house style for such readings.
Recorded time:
h=11 m=4
